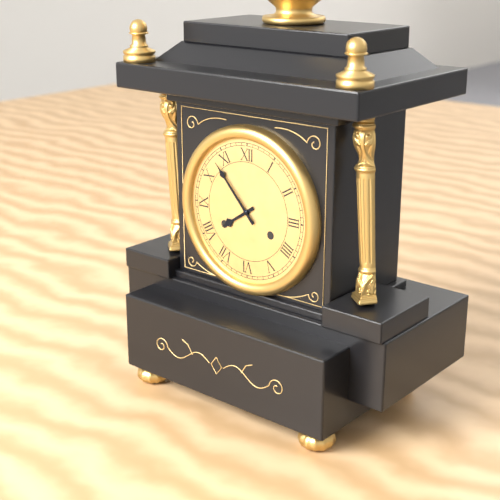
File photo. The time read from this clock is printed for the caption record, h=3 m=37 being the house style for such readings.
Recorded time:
h=7 m=53
